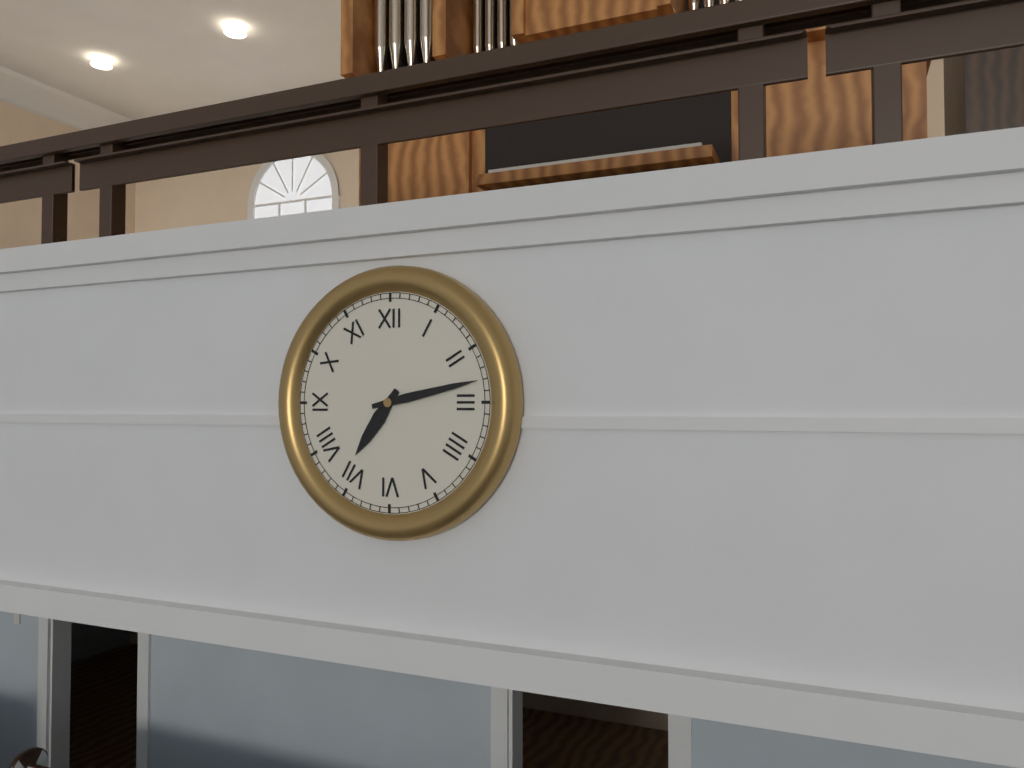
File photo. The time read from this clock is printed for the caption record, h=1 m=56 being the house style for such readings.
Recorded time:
h=7 m=13
